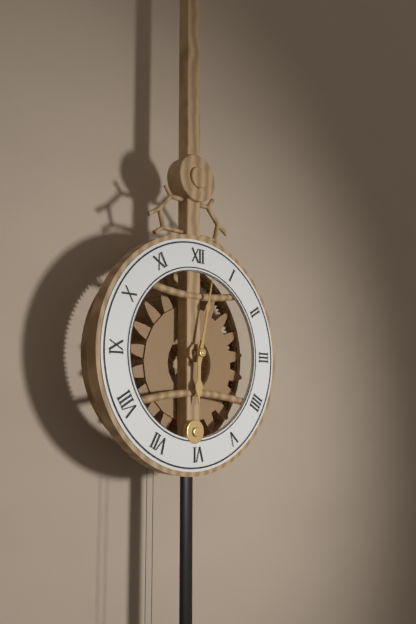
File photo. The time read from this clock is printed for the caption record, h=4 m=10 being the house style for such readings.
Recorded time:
h=6 m=2
